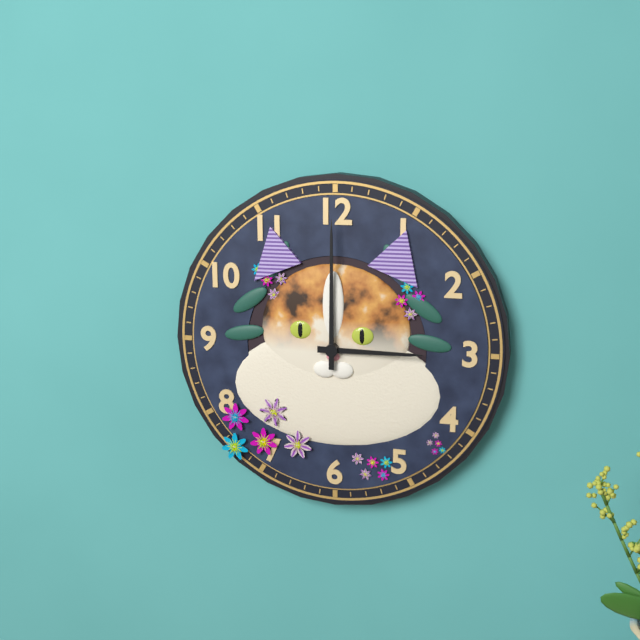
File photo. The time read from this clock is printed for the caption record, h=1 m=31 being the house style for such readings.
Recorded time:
h=3 m=0
